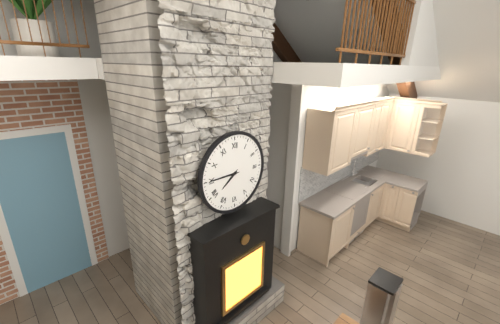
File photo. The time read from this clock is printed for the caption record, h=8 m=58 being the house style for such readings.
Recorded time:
h=7 m=45
